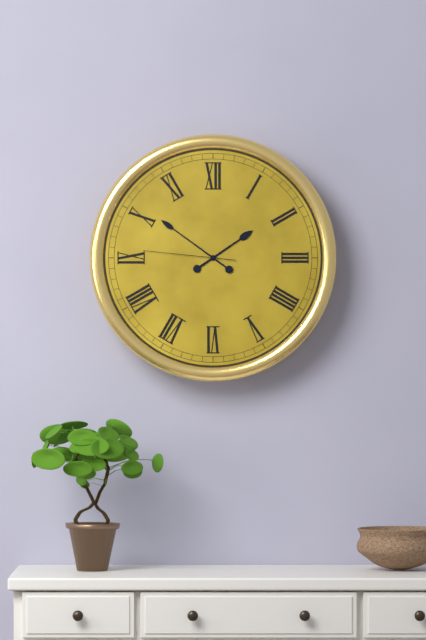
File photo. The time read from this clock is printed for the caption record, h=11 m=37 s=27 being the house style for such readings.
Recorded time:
h=1 m=51 s=46
